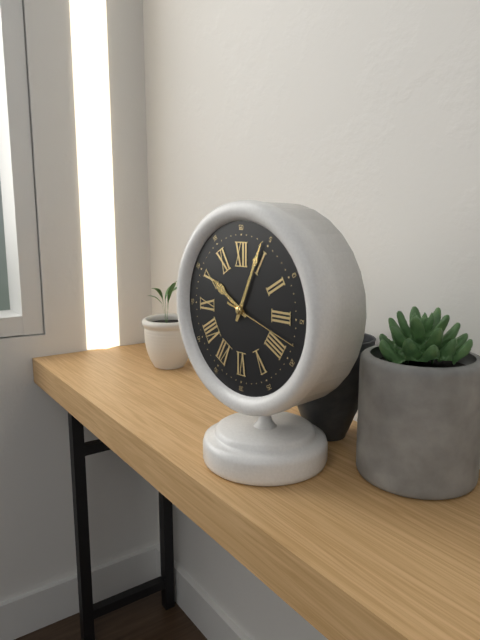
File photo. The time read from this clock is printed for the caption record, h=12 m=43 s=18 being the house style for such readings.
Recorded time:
h=10 m=4 s=18
